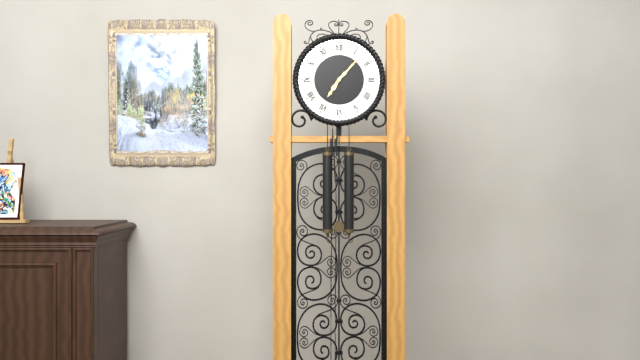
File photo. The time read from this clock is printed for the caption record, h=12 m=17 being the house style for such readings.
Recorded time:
h=7 m=7
